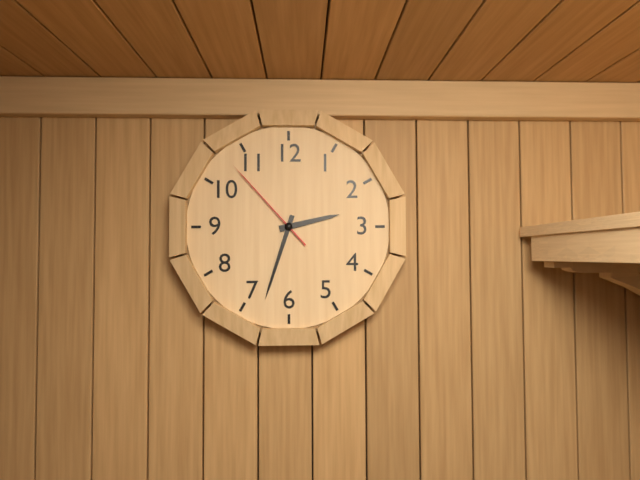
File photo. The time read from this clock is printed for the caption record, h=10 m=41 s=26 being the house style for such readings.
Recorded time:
h=2 m=33 s=53
